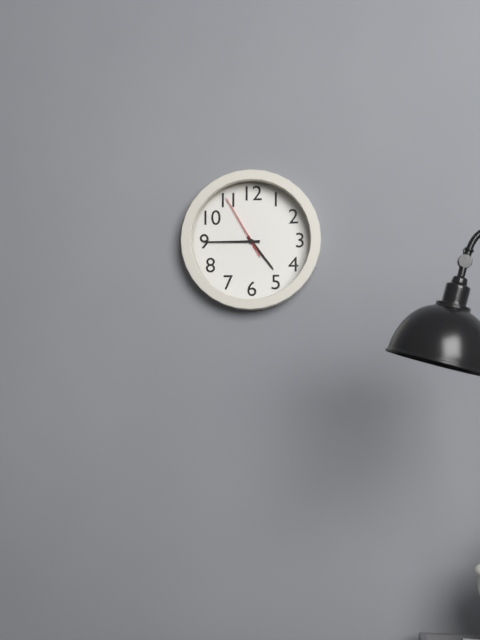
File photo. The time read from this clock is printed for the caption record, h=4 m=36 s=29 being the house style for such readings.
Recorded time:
h=4 m=45 s=55
